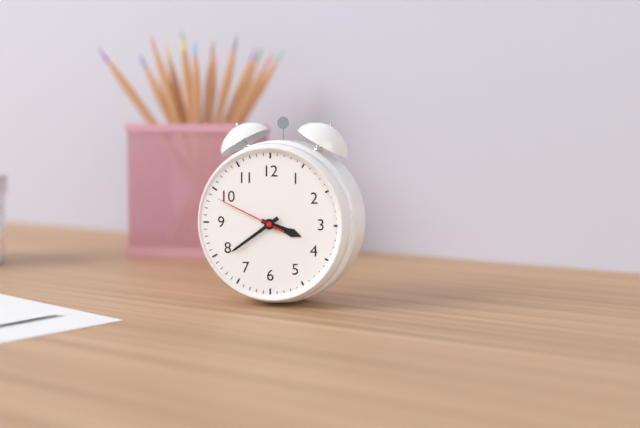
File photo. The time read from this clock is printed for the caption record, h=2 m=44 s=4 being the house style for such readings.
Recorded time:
h=3 m=39 s=49
